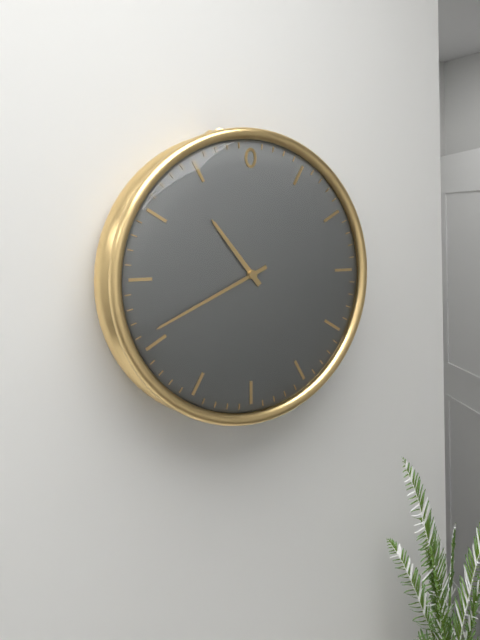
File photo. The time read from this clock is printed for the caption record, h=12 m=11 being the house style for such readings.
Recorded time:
h=10 m=41
